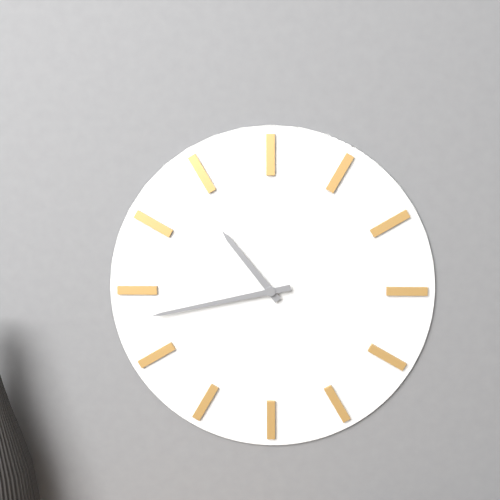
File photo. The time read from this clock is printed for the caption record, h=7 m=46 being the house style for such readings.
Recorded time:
h=10 m=43
